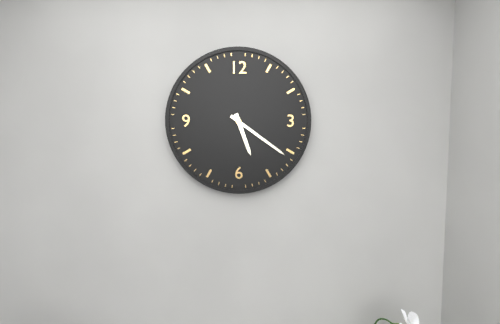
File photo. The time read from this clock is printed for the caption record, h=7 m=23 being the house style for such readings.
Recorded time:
h=5 m=21
